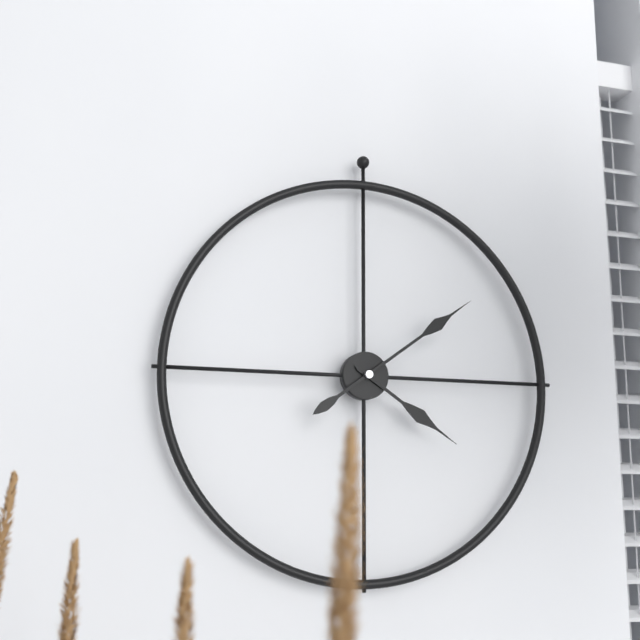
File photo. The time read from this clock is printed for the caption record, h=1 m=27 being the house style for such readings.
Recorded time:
h=4 m=9
